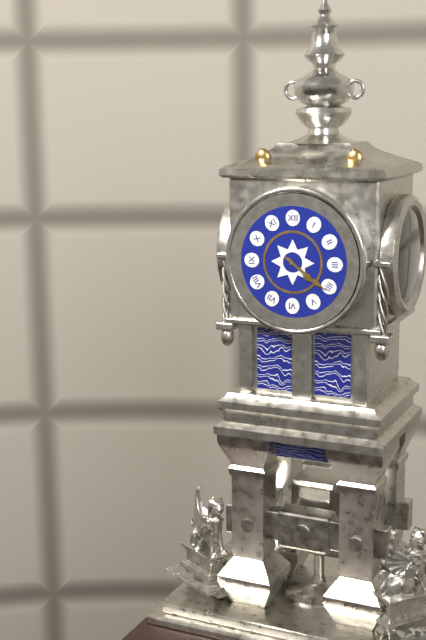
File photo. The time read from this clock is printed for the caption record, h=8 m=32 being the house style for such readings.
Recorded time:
h=4 m=21
